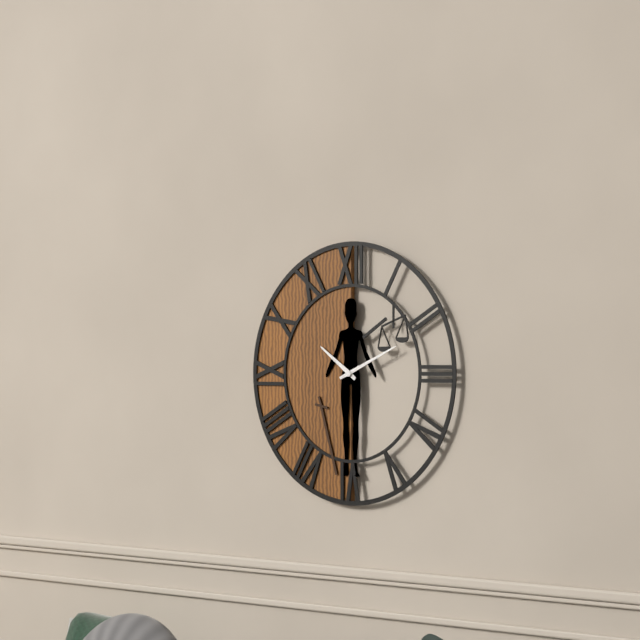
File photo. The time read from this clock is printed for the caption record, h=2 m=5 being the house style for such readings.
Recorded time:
h=10 m=11
